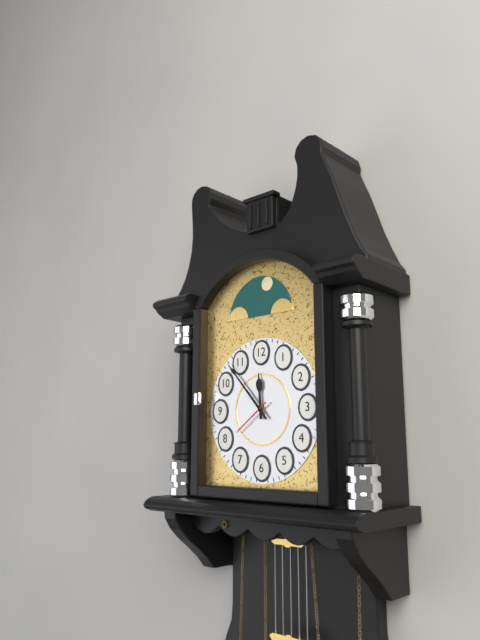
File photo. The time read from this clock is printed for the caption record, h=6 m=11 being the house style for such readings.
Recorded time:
h=11 m=53
